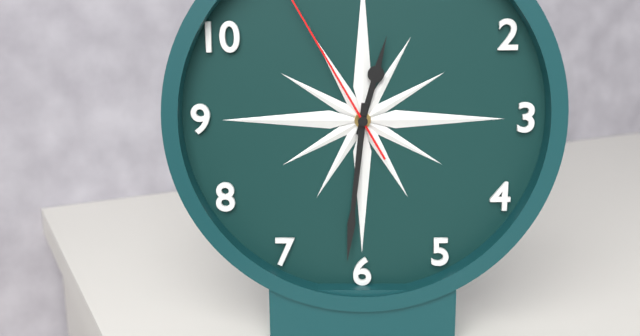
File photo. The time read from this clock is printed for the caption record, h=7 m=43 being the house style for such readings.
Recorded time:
h=12 m=31
